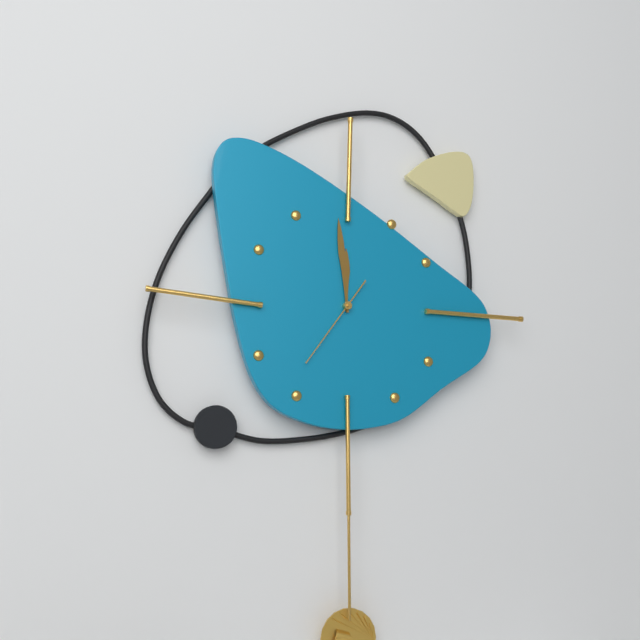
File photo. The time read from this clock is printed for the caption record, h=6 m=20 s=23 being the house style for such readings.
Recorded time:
h=11 m=59 s=36
